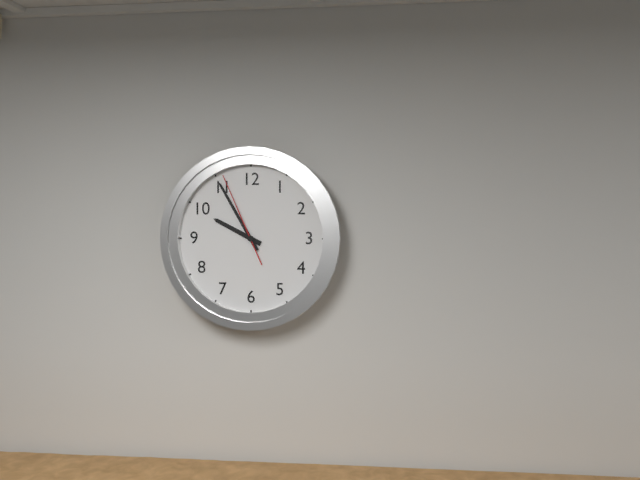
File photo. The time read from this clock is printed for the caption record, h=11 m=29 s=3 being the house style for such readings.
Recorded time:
h=9 m=55 s=56
